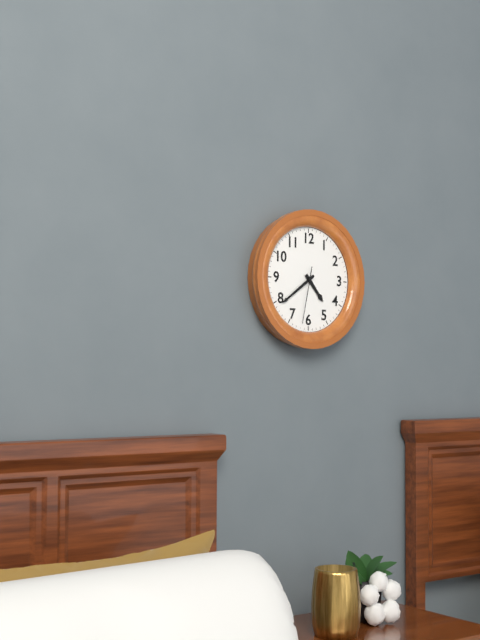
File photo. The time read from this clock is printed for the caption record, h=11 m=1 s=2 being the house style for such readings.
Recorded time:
h=4 m=39 s=32
